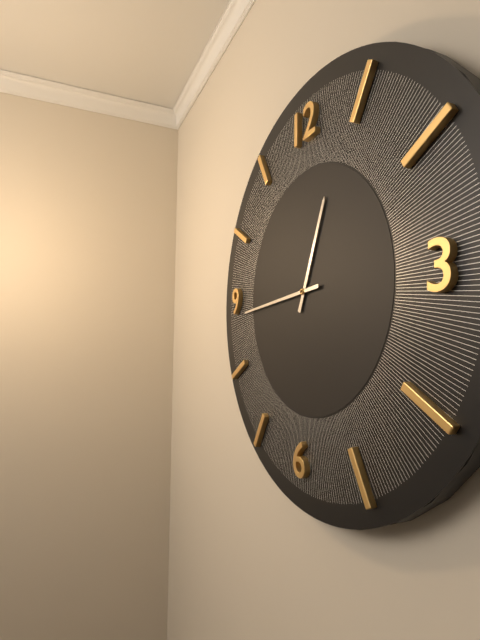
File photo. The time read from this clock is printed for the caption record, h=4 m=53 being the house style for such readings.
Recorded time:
h=12 m=44
